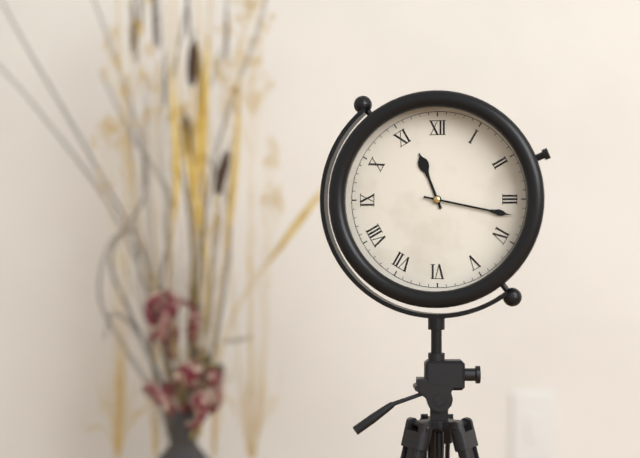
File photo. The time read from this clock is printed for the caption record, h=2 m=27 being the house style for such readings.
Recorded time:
h=11 m=17
